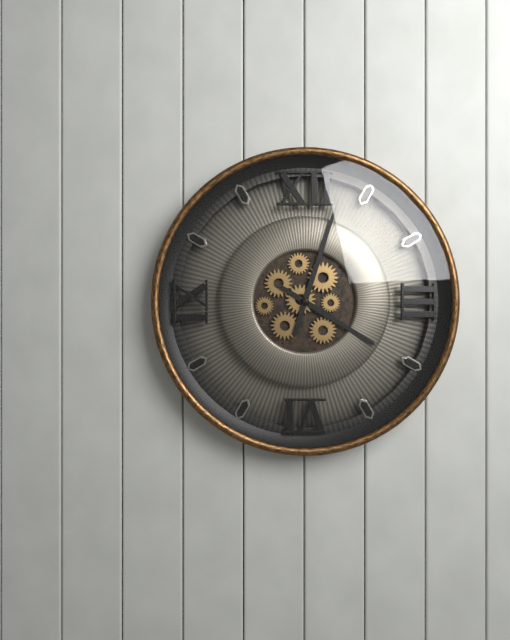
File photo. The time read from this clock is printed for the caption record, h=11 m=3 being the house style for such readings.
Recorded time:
h=4 m=3
